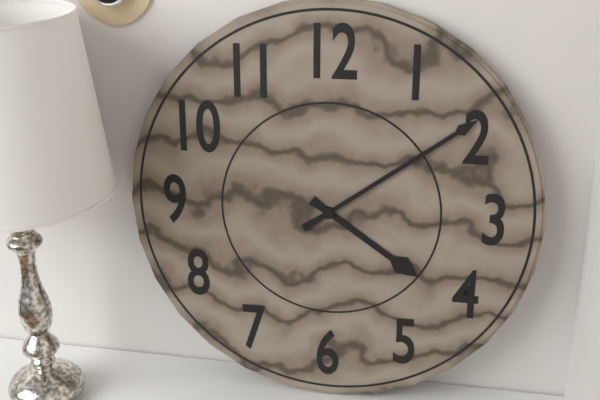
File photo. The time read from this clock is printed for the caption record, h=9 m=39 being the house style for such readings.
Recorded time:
h=4 m=9
